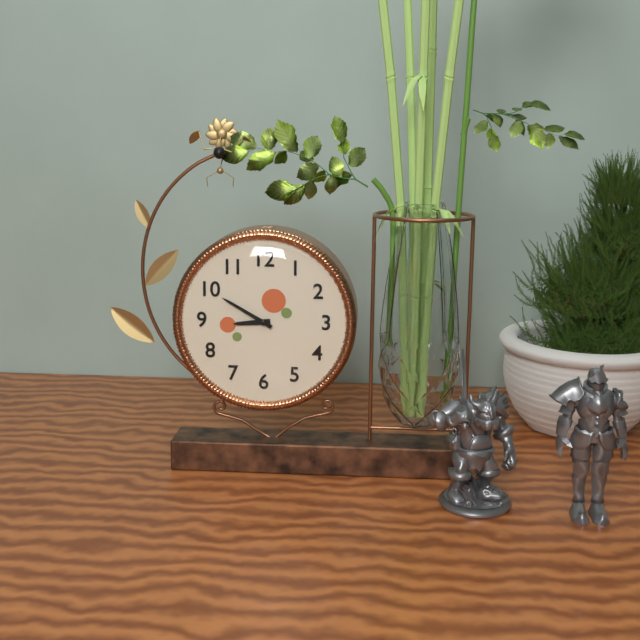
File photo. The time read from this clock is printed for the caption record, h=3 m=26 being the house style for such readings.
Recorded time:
h=8 m=50
